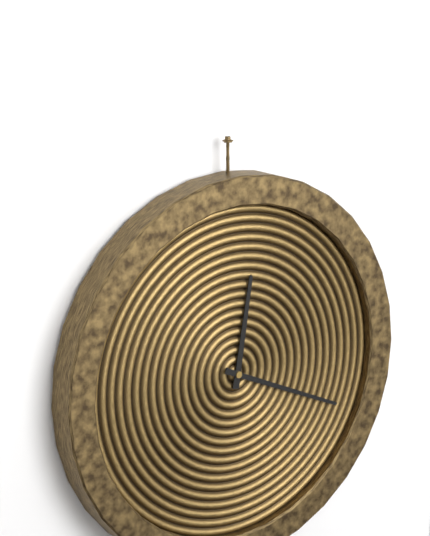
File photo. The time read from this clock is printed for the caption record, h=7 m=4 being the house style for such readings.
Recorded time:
h=12 m=19
